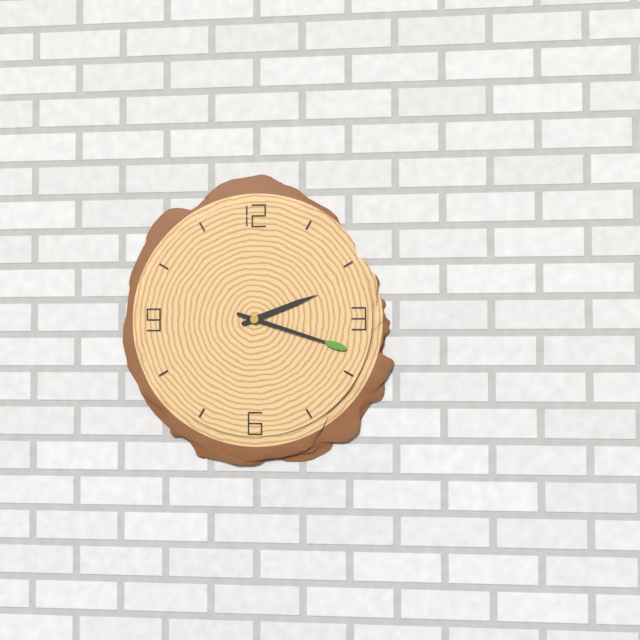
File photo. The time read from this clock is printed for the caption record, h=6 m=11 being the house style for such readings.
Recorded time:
h=2 m=18
